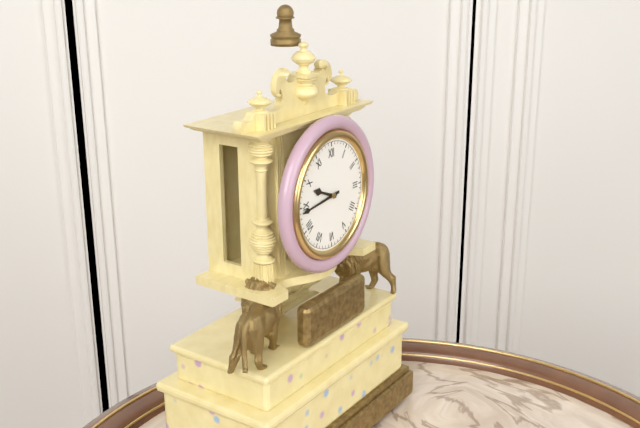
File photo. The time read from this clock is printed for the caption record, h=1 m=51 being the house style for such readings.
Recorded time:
h=9 m=44
